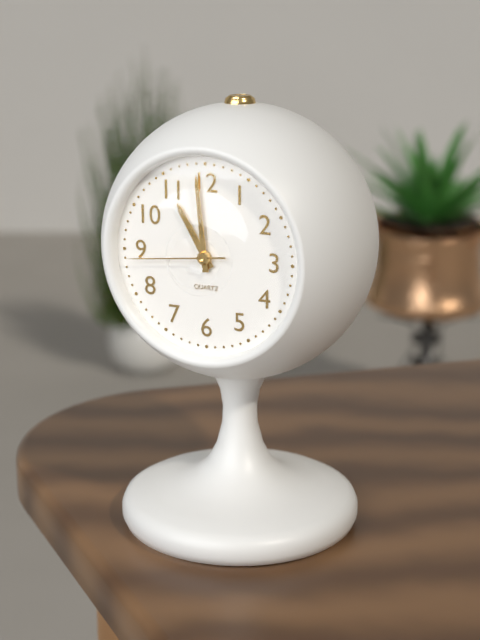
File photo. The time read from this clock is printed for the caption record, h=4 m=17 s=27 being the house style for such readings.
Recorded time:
h=10 m=59 s=44
